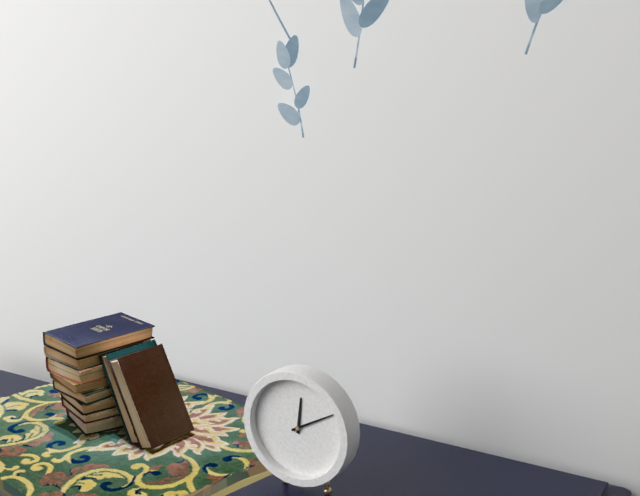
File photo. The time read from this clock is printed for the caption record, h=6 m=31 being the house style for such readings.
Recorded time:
h=12 m=10
